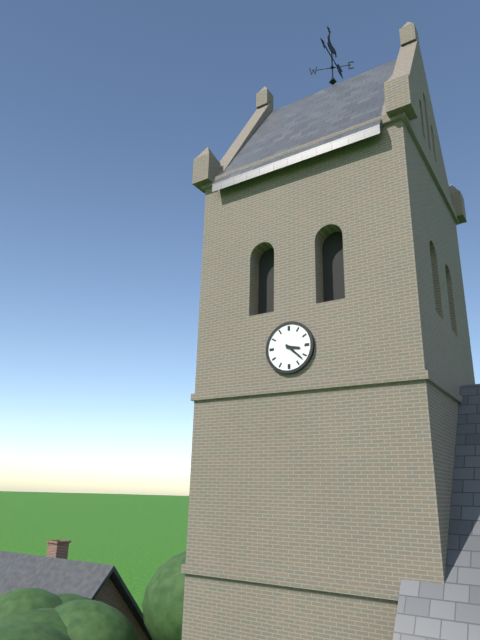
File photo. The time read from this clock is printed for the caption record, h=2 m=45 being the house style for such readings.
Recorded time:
h=3 m=22
